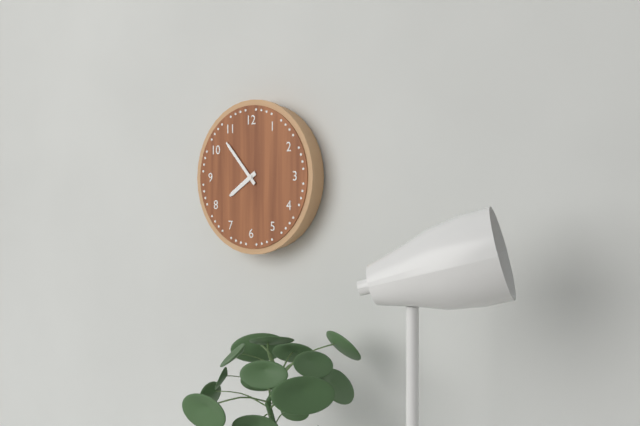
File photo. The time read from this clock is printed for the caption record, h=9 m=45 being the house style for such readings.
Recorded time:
h=7 m=53
